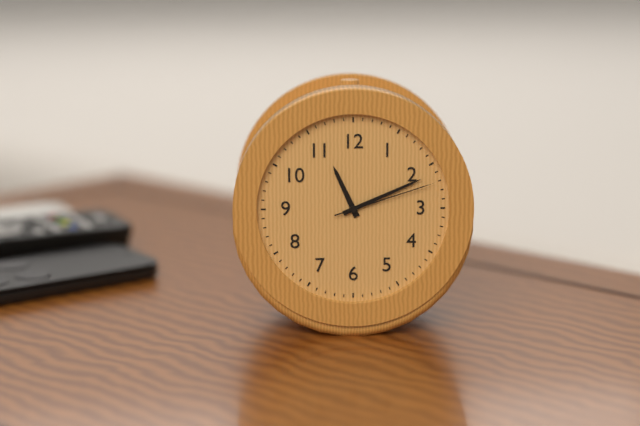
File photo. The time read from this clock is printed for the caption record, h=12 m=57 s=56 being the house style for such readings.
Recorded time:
h=11 m=11 s=12
